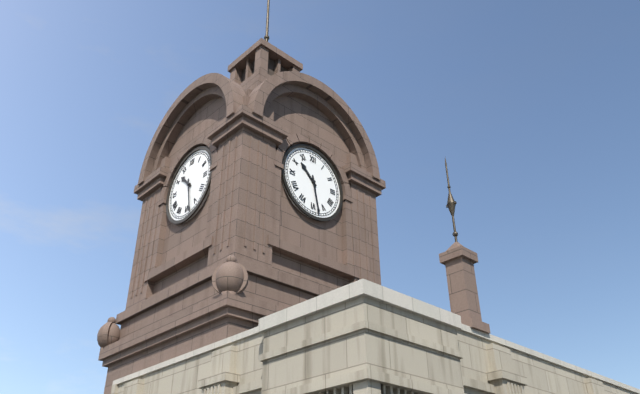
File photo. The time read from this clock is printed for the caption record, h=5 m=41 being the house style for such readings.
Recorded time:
h=10 m=28
